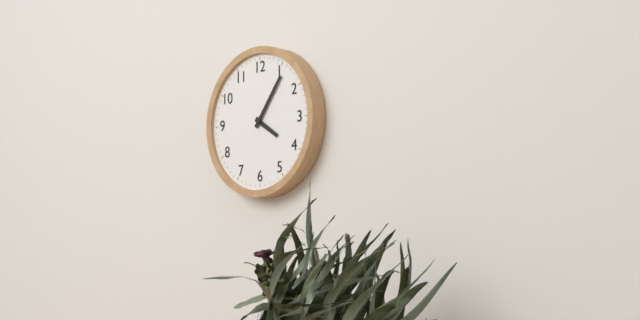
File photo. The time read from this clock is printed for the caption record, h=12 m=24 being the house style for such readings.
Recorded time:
h=4 m=6
